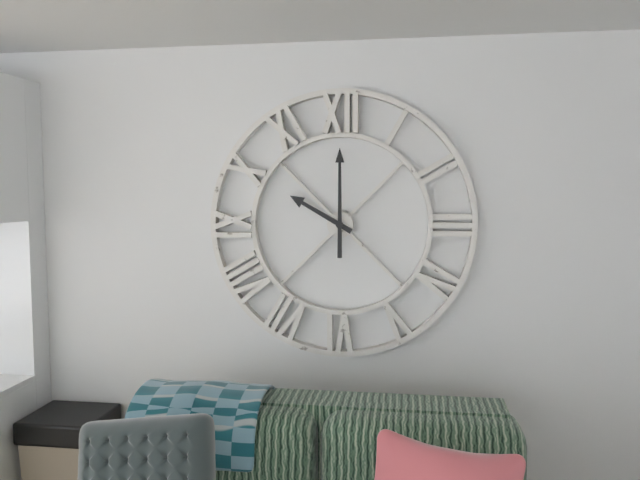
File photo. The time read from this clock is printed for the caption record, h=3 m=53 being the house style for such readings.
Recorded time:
h=10 m=0
